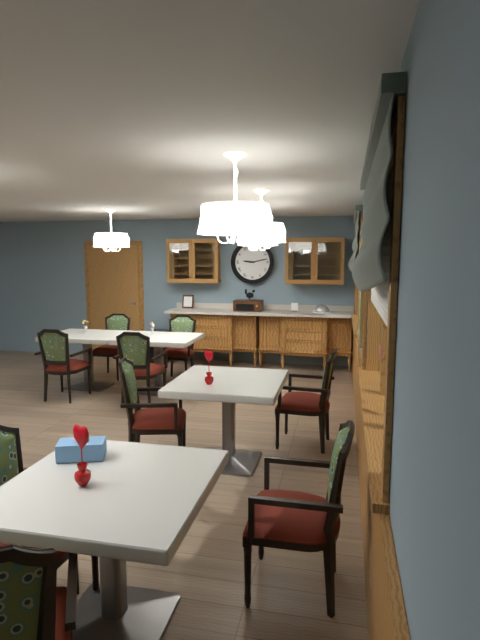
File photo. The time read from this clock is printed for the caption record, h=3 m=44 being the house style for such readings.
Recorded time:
h=9 m=13
